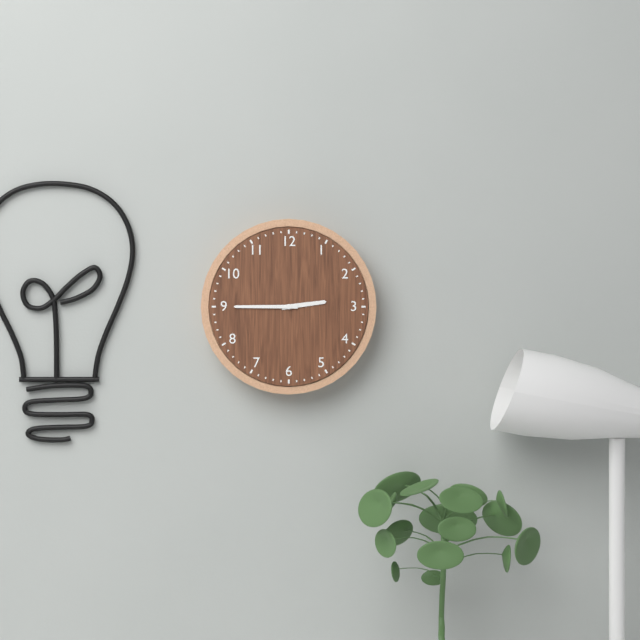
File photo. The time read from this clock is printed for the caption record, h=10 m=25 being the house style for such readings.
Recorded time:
h=2 m=45
